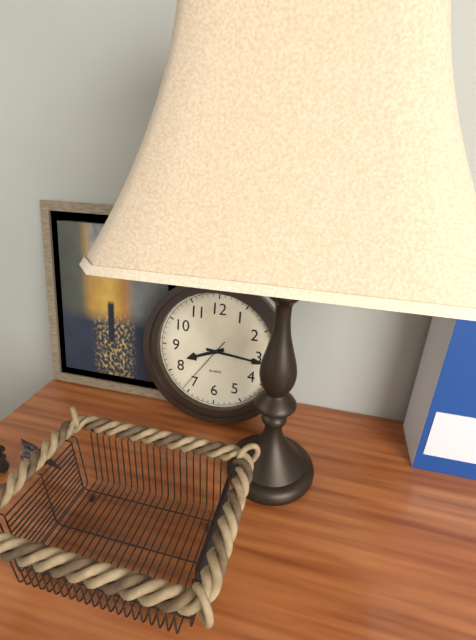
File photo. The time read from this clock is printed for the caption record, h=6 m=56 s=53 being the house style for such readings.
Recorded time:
h=8 m=16 s=36
